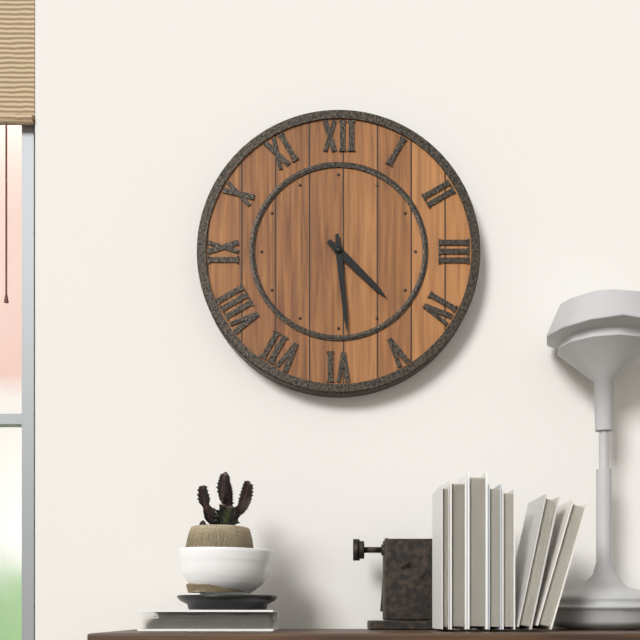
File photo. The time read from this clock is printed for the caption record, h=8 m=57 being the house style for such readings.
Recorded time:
h=4 m=29
